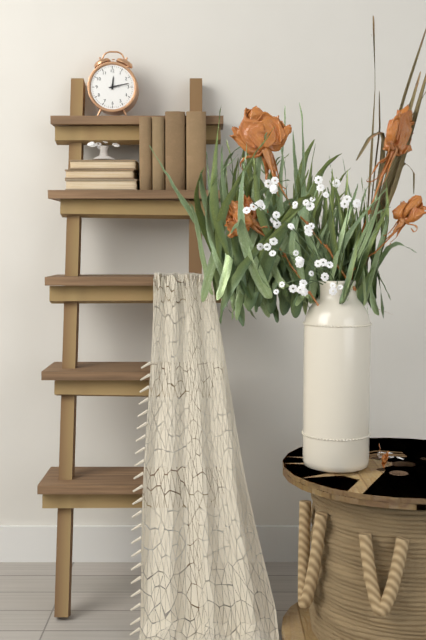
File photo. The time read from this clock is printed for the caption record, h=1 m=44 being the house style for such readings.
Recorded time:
h=12 m=13
